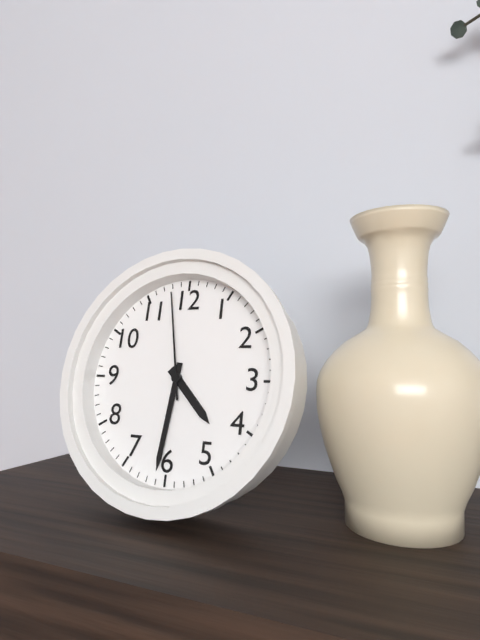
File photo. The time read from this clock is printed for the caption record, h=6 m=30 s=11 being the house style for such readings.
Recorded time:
h=4 m=31 s=58
